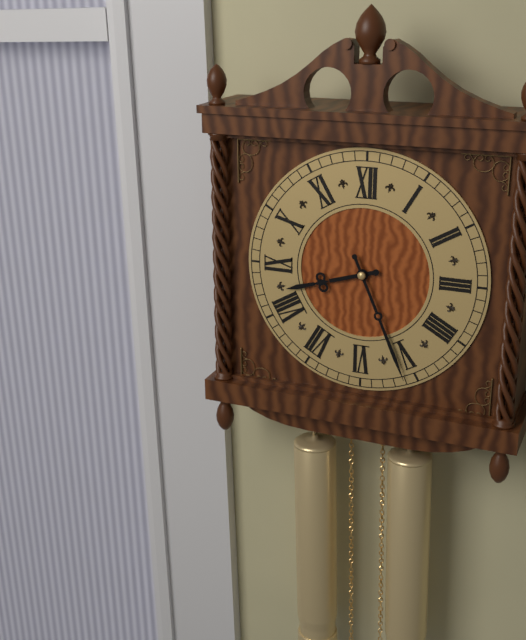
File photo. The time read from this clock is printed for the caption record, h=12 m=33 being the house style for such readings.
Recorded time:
h=8 m=26
